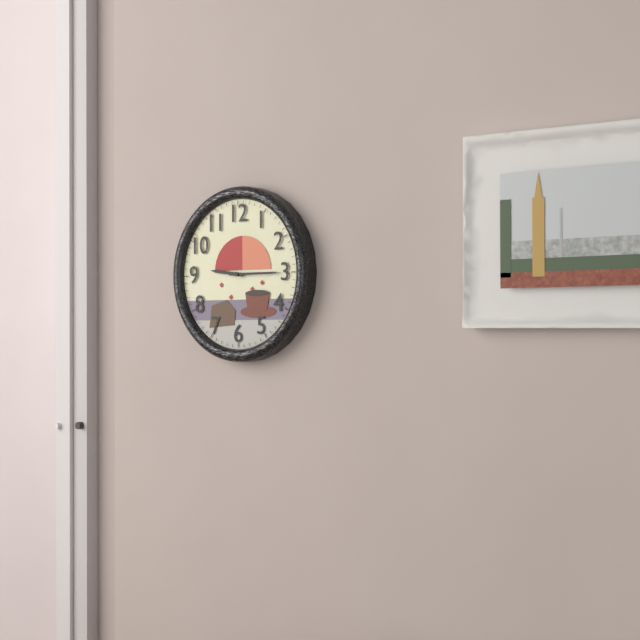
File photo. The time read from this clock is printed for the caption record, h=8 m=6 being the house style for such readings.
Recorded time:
h=9 m=15
